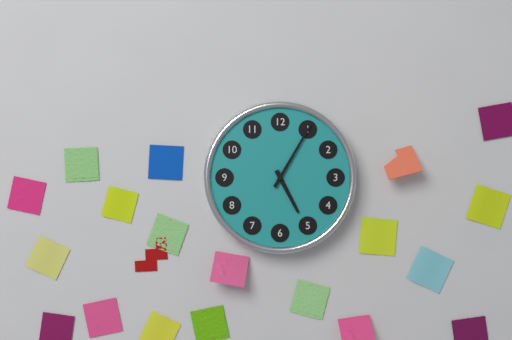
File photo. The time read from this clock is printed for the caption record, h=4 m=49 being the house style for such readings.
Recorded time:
h=5 m=5
